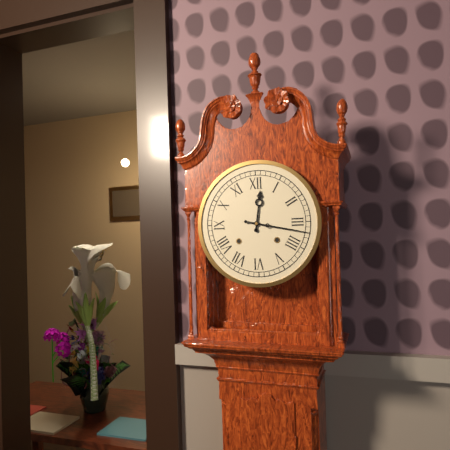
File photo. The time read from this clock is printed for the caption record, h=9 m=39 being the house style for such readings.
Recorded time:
h=12 m=17
